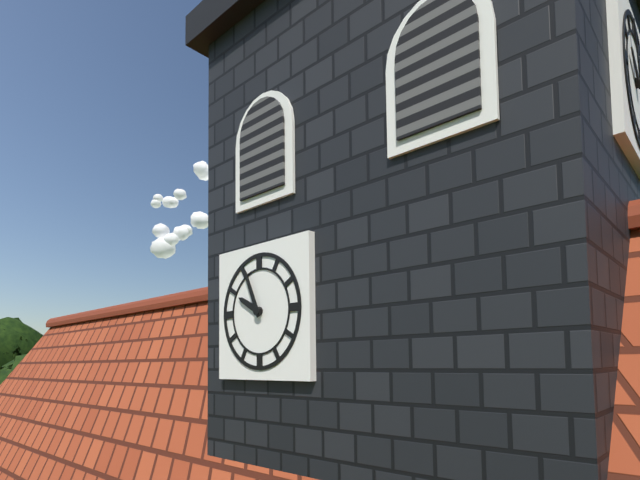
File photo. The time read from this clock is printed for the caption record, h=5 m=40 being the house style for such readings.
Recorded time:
h=9 m=56
